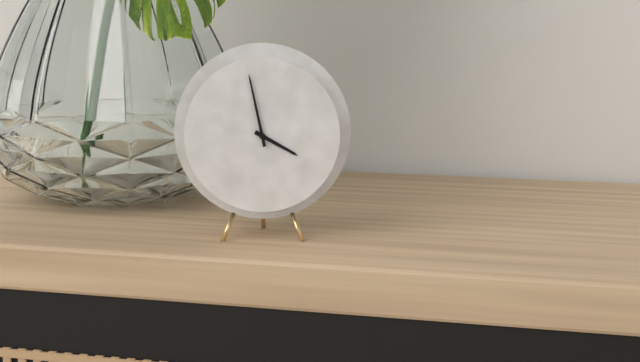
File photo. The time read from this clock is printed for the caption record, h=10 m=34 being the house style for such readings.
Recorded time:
h=3 m=58
